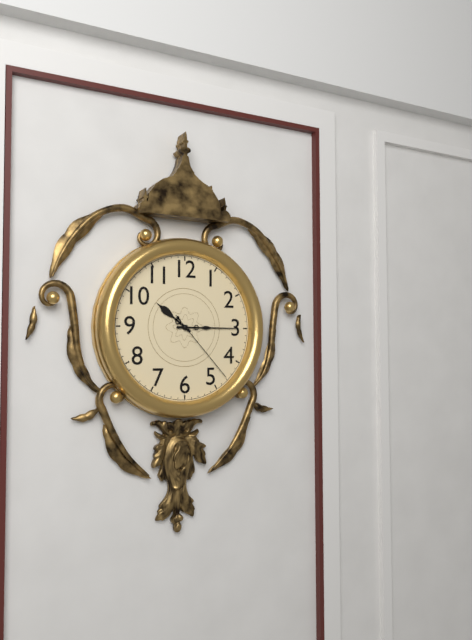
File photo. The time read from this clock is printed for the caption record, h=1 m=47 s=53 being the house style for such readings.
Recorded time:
h=10 m=15 s=23
